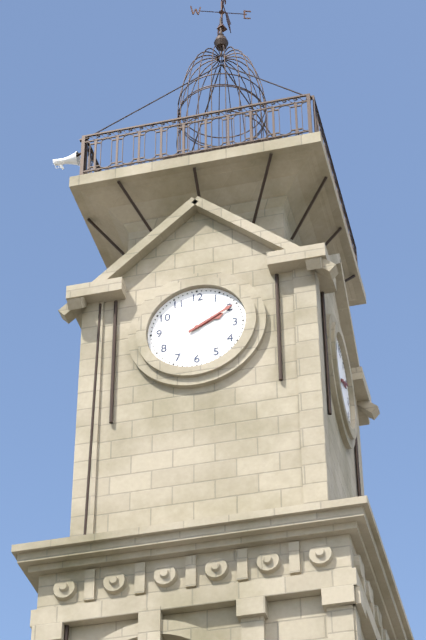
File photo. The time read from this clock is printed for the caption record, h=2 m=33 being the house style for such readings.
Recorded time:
h=2 m=10
